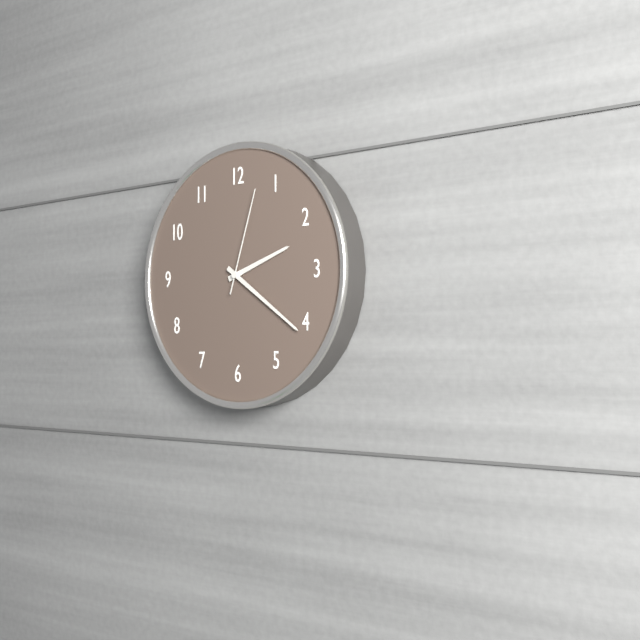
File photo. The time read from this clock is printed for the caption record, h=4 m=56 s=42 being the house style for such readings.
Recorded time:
h=2 m=21 s=3
